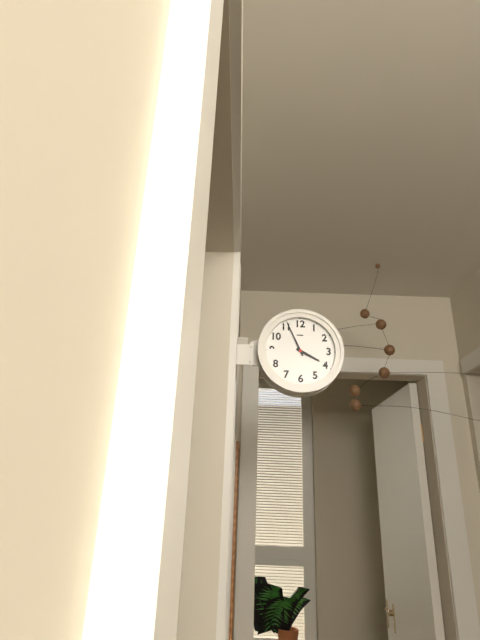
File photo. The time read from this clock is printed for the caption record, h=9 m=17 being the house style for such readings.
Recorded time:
h=3 m=56
